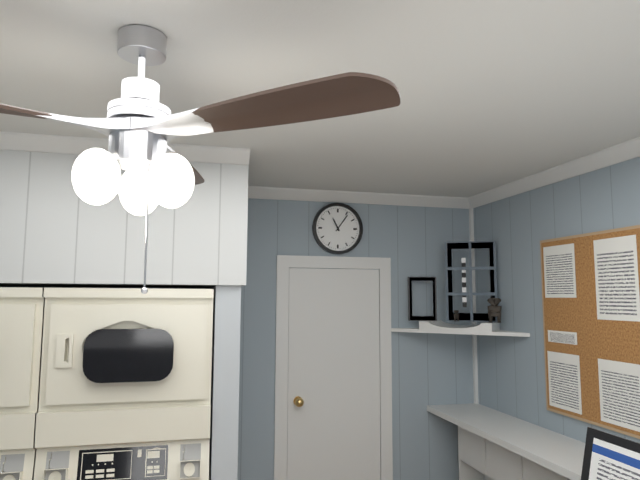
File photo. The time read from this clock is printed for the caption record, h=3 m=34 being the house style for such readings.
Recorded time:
h=11 m=6
